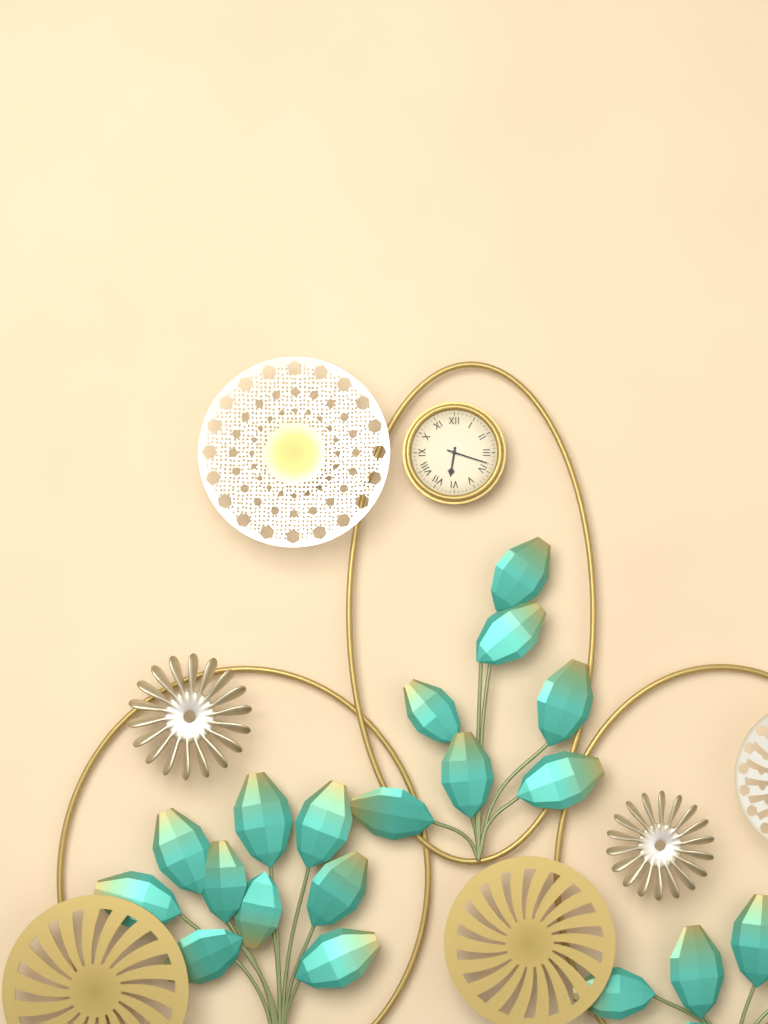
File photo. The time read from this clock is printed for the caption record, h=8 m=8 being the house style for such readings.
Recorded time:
h=6 m=18
